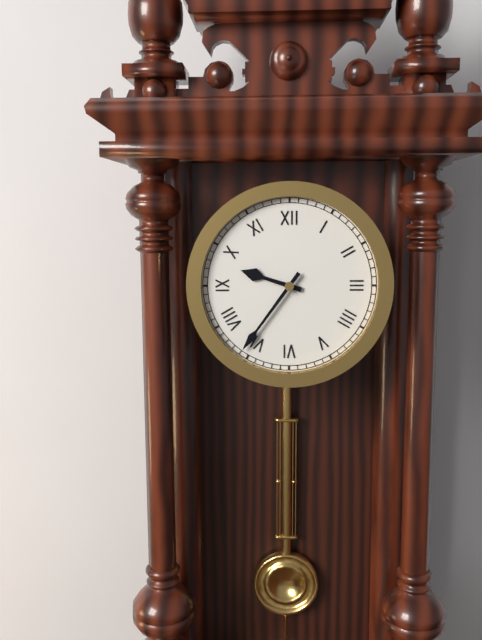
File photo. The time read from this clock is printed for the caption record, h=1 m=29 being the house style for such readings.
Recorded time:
h=9 m=36
